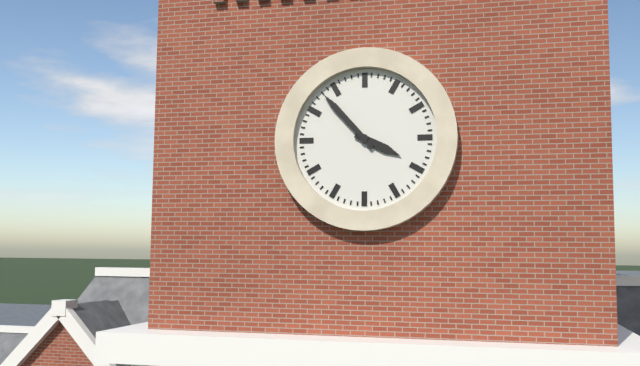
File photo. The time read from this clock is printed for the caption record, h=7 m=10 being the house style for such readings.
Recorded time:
h=3 m=53
